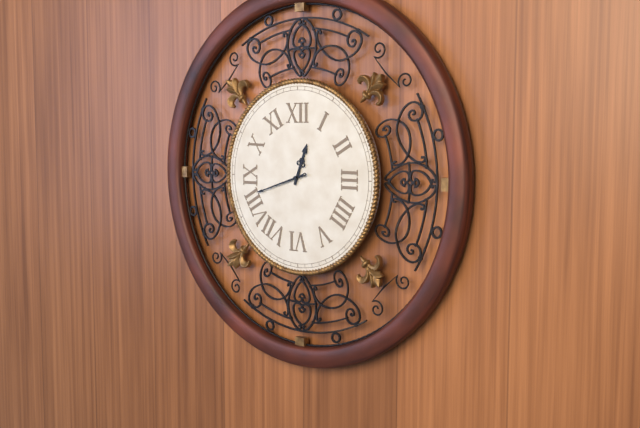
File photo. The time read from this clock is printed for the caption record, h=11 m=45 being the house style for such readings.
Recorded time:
h=12 m=42
